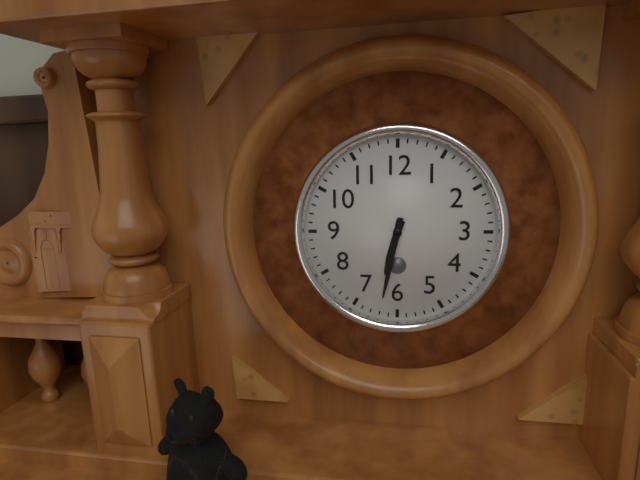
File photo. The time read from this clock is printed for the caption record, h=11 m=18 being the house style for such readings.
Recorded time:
h=6 m=32
